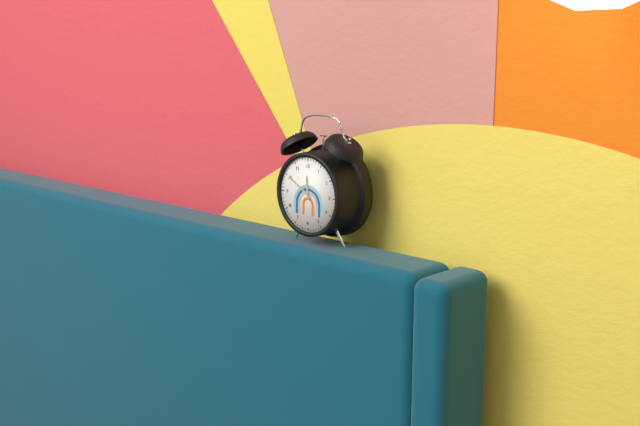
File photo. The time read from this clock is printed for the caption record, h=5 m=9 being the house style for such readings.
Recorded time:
h=11 m=50
